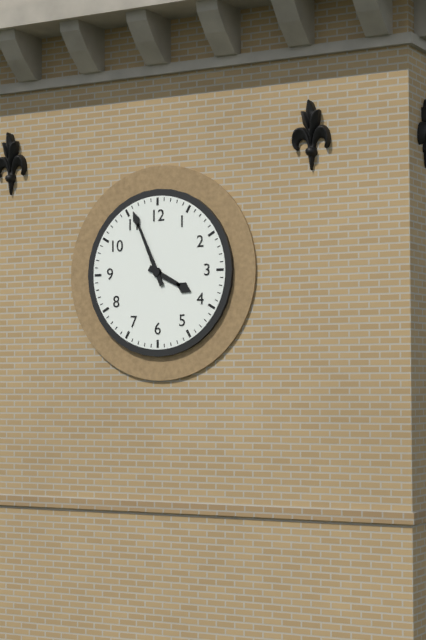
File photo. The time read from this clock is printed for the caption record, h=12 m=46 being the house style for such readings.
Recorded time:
h=3 m=56
